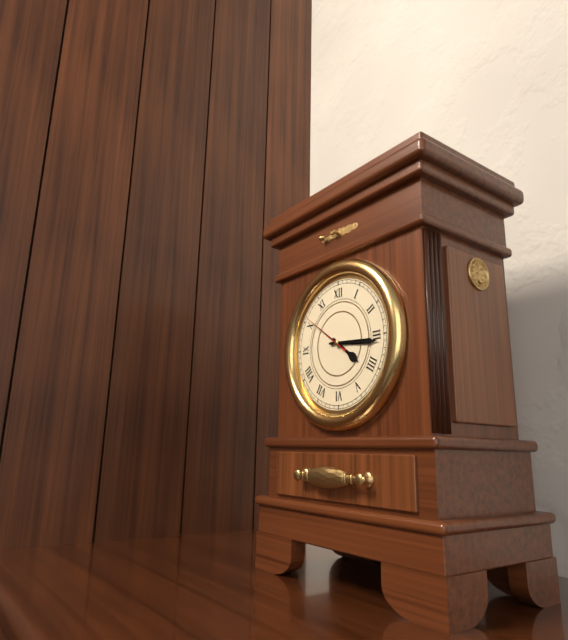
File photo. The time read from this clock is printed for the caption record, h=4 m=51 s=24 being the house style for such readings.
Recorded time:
h=4 m=16 s=51
